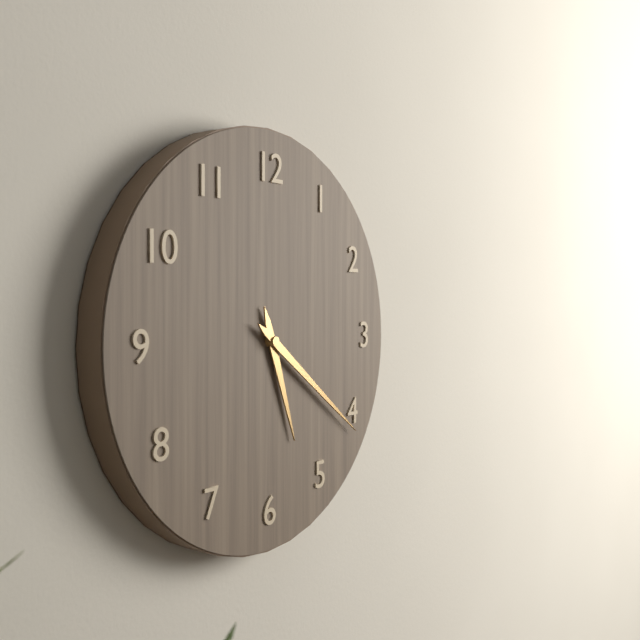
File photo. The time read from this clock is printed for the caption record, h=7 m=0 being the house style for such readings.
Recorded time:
h=5 m=21
